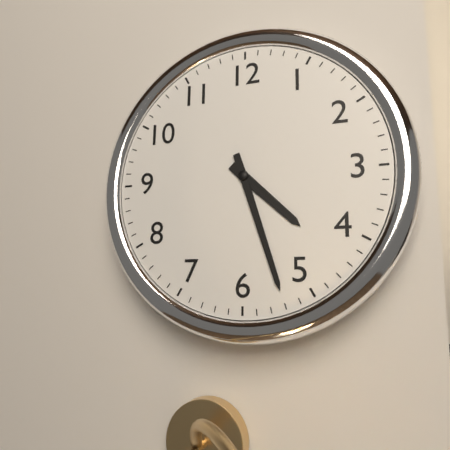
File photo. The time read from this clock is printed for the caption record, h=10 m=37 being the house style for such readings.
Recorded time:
h=4 m=27
